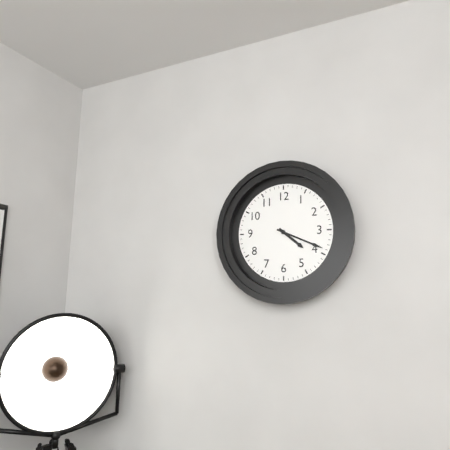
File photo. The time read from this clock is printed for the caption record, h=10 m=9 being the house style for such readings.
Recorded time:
h=4 m=19
